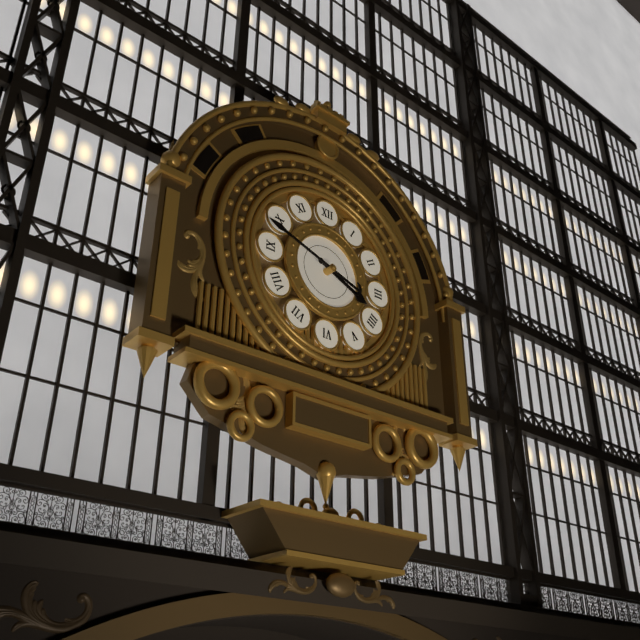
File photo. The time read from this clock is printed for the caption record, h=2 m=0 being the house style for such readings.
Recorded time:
h=3 m=48
